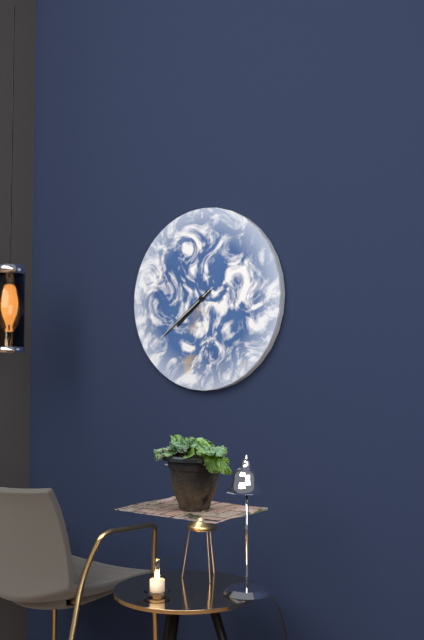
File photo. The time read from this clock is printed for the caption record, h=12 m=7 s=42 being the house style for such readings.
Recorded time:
h=7 m=39 s=39
